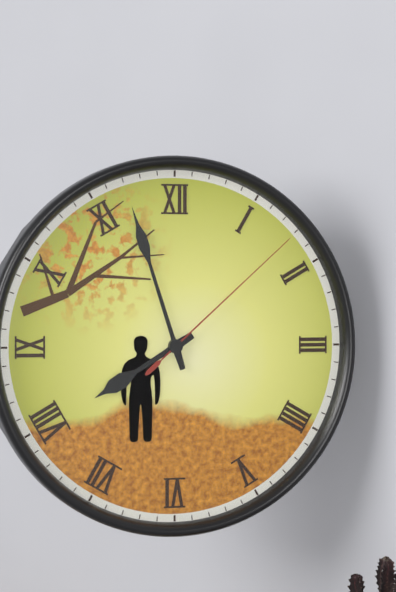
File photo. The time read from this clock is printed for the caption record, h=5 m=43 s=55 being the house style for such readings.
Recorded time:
h=7 m=57 s=8
